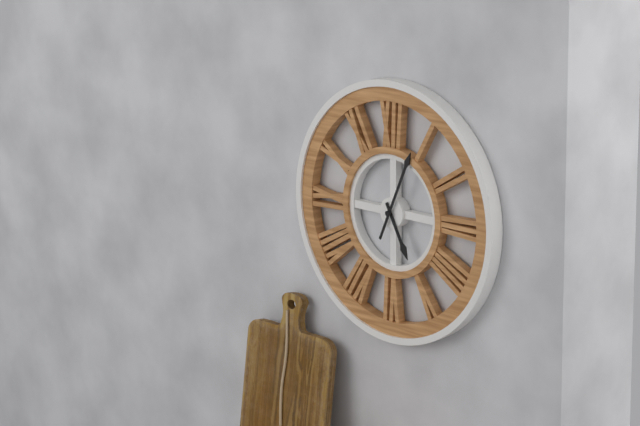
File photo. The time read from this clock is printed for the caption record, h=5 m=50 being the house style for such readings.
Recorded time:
h=5 m=4
